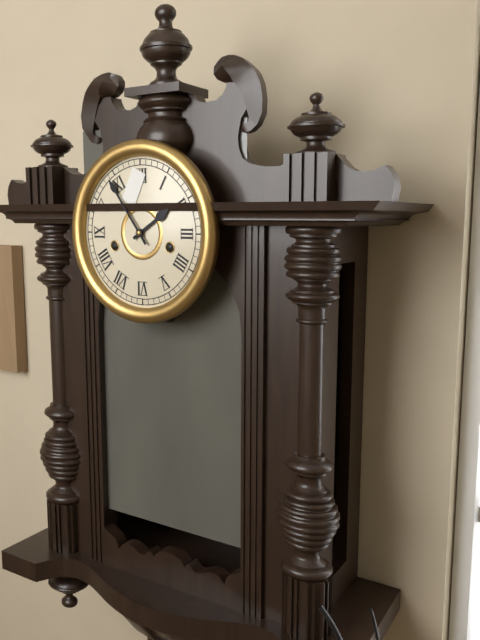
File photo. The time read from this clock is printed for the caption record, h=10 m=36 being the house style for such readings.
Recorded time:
h=1 m=54
